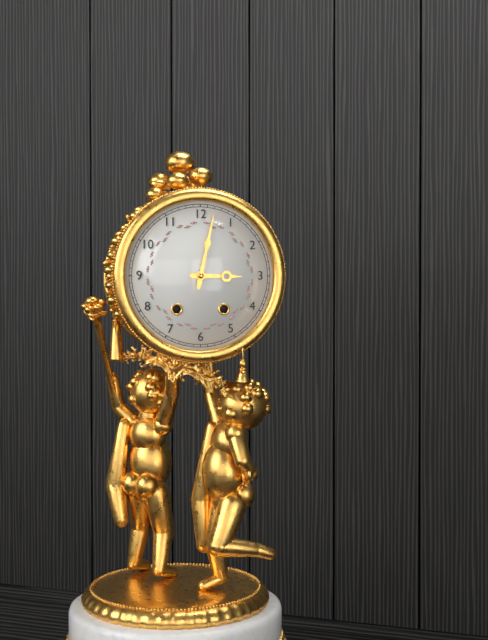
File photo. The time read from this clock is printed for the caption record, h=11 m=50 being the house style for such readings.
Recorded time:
h=3 m=2
